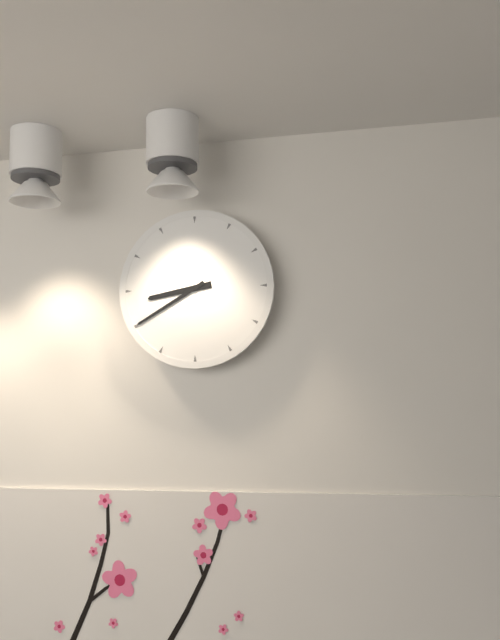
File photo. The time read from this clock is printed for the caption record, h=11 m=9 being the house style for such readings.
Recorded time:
h=8 m=40
